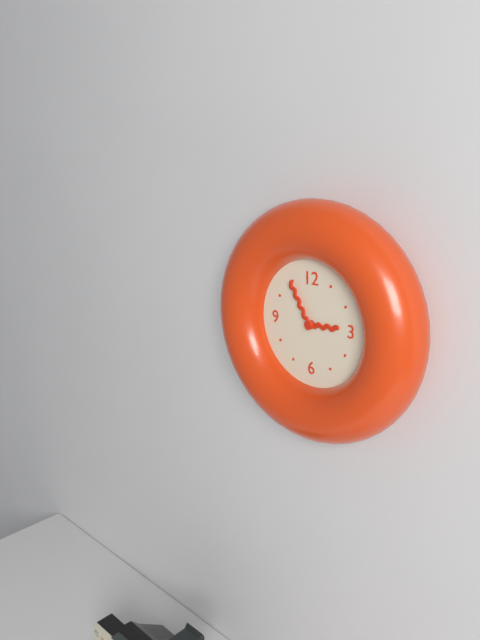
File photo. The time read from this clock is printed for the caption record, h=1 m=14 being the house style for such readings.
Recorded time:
h=2 m=55
